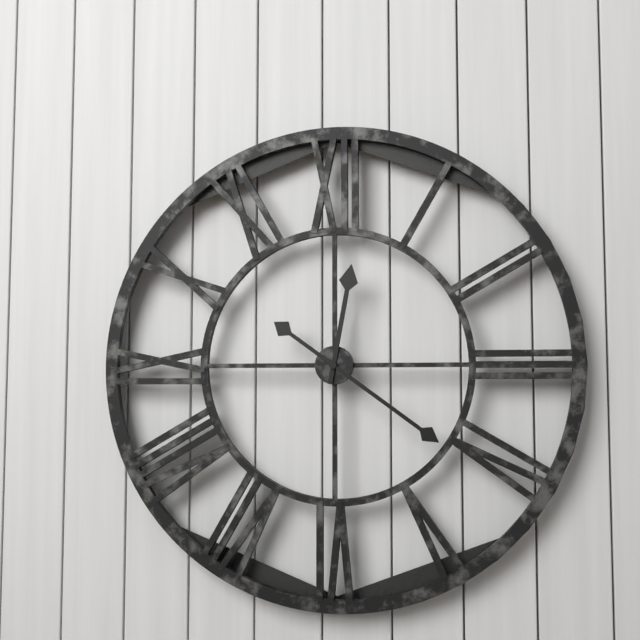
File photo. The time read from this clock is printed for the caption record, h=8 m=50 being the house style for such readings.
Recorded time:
h=12 m=21
